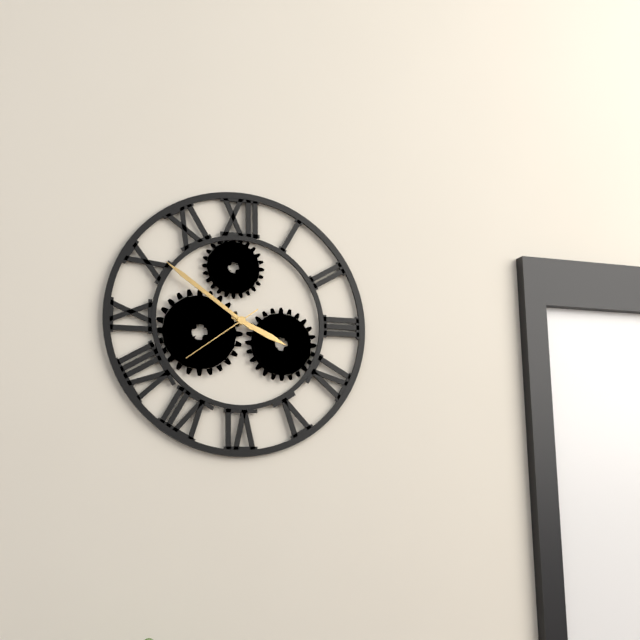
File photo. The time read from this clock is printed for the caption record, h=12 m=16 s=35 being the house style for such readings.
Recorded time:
h=3 m=51 s=39
